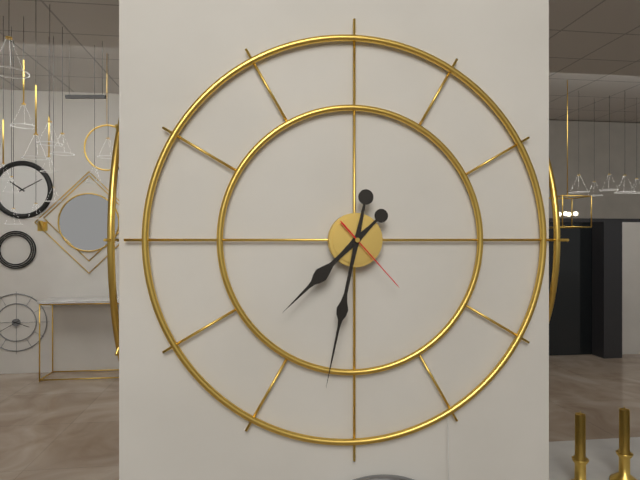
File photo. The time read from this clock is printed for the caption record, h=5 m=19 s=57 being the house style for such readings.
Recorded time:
h=7 m=32 s=23
